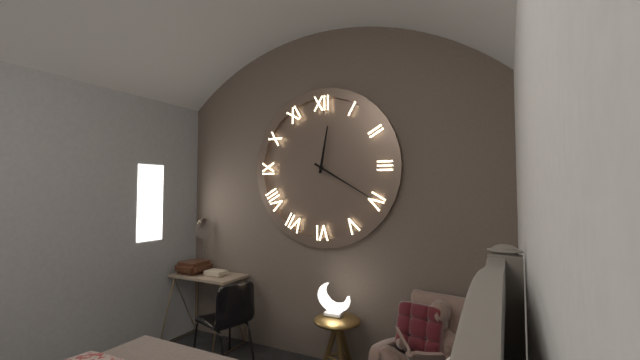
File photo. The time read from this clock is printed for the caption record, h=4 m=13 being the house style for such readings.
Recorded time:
h=12 m=20
